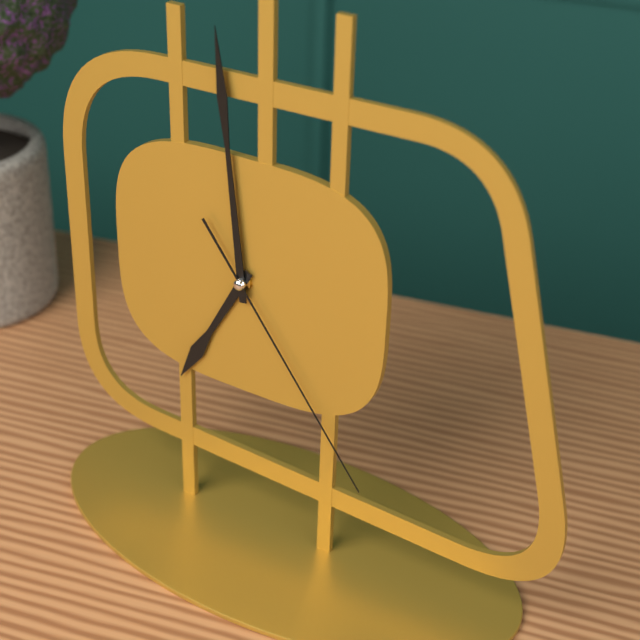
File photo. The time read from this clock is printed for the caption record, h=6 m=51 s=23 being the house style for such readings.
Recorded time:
h=6 m=59 s=24
